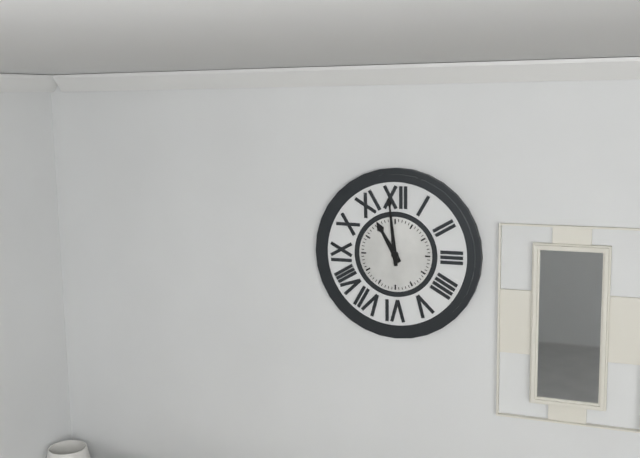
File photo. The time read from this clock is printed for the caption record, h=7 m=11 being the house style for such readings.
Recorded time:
h=10 m=59
